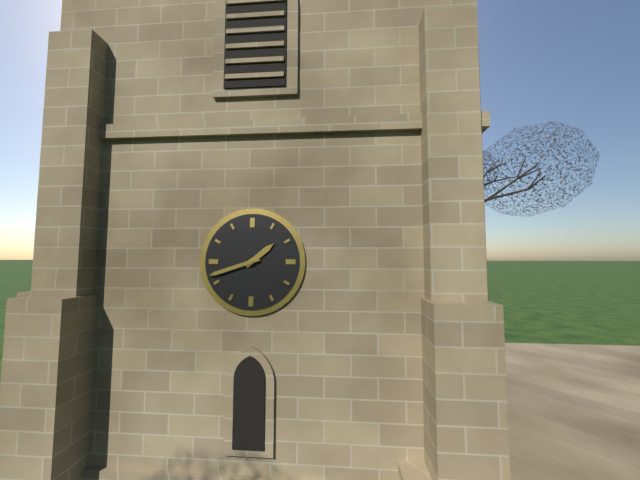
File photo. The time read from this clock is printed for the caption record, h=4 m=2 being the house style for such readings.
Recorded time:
h=1 m=42
